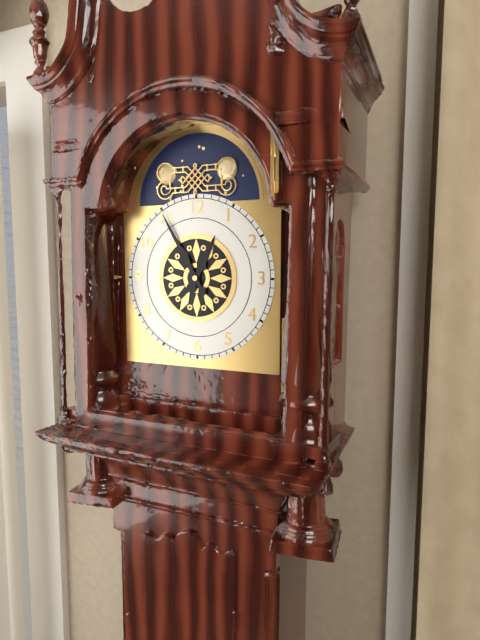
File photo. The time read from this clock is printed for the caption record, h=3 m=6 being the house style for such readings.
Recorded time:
h=12 m=55
